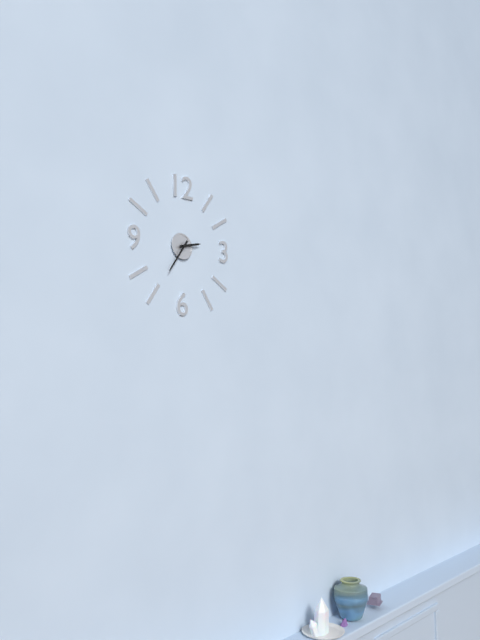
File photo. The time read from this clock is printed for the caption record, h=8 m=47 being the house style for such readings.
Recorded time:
h=2 m=36
